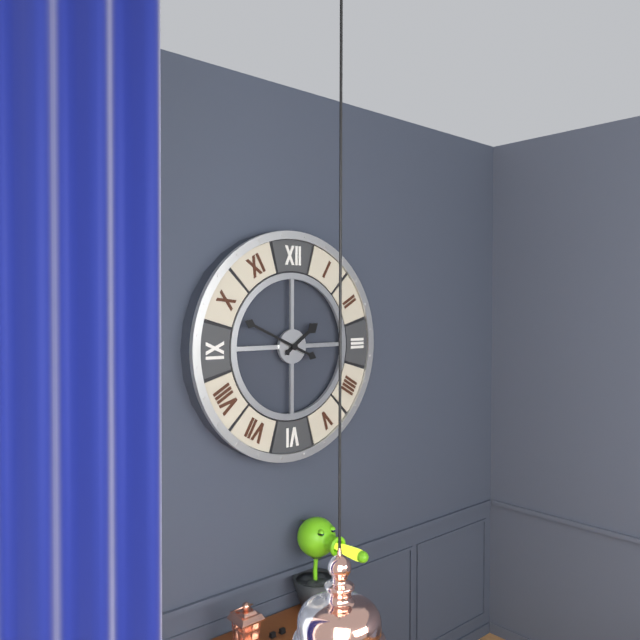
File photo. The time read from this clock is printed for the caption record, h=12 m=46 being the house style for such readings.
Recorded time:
h=1 m=49
